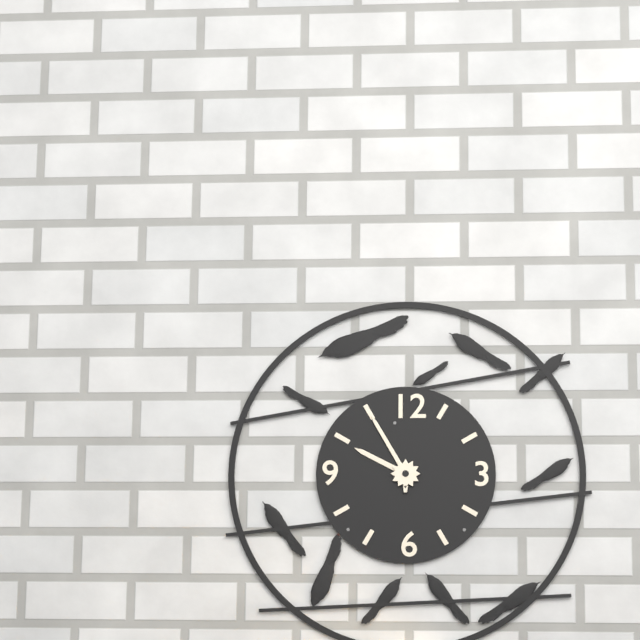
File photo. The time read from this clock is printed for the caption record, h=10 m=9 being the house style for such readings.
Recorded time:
h=9 m=55
